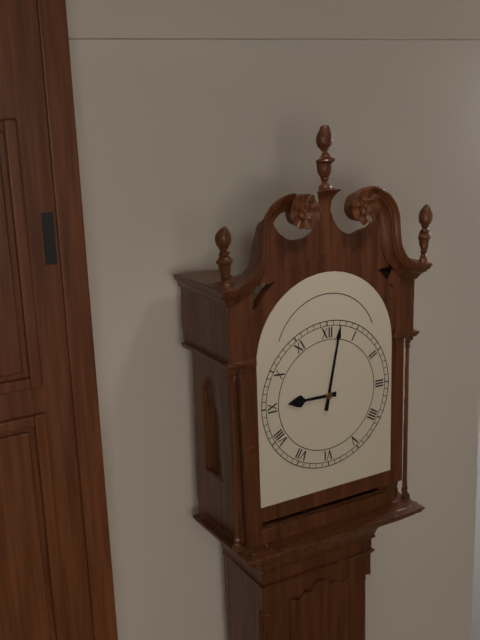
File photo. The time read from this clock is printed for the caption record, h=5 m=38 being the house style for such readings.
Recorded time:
h=9 m=2
